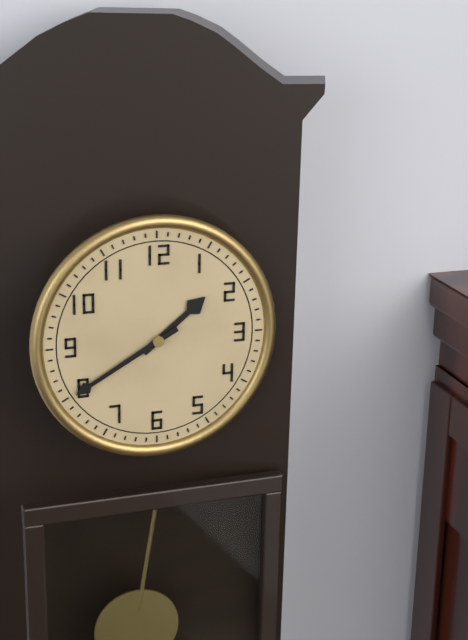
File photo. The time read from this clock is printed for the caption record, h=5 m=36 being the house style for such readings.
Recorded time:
h=1 m=40
